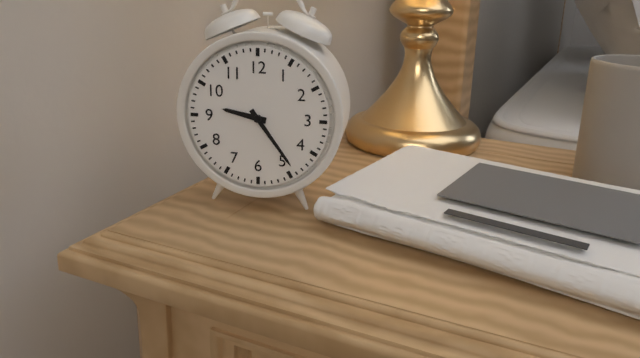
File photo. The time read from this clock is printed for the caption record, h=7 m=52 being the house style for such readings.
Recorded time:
h=9 m=24
